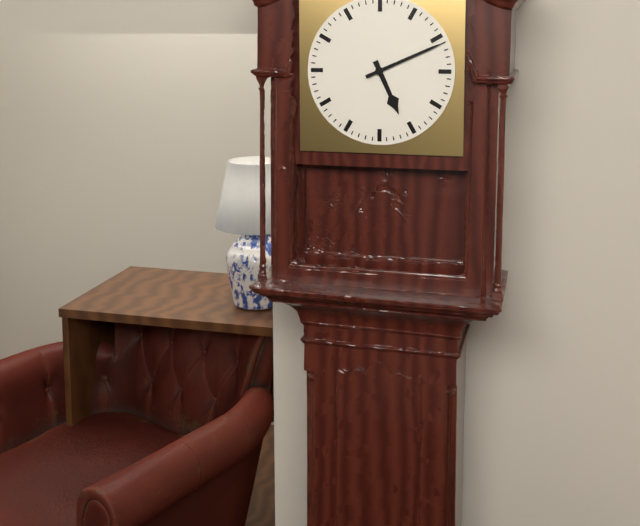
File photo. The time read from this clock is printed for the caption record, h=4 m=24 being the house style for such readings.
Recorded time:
h=5 m=11
